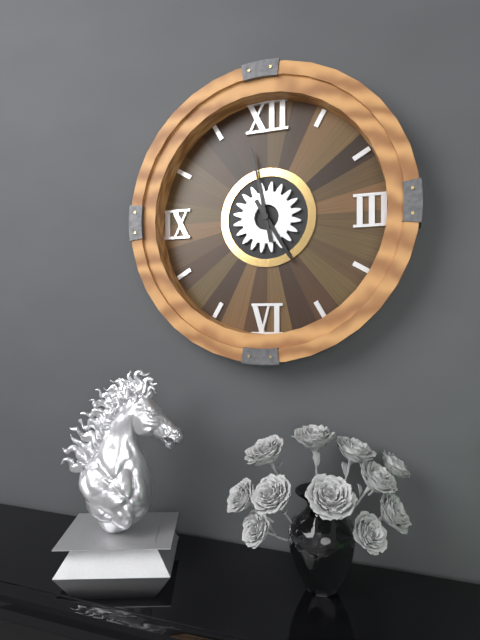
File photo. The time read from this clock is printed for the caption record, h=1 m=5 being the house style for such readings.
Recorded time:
h=4 m=58
